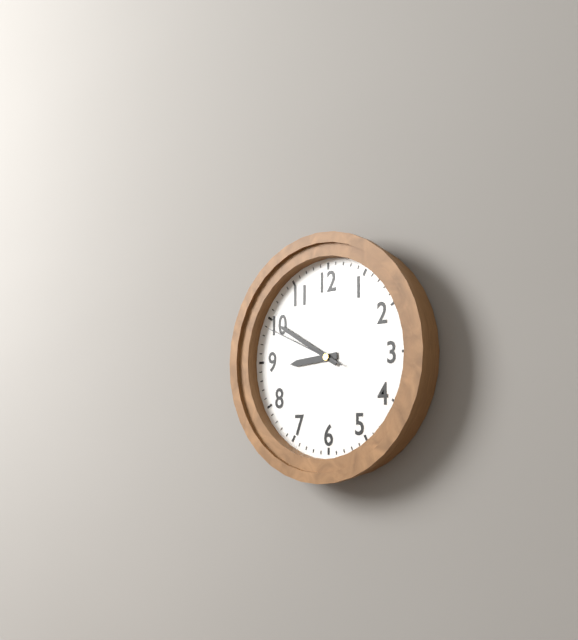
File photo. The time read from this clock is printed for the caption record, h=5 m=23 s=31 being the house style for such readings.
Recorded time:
h=8 m=50 s=49
